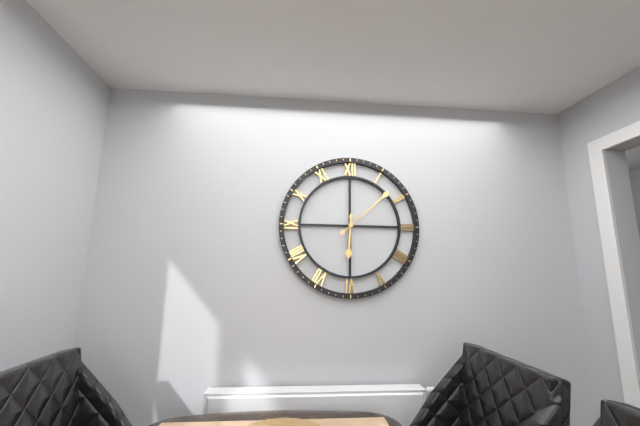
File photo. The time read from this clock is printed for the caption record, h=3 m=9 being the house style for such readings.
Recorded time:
h=6 m=8
